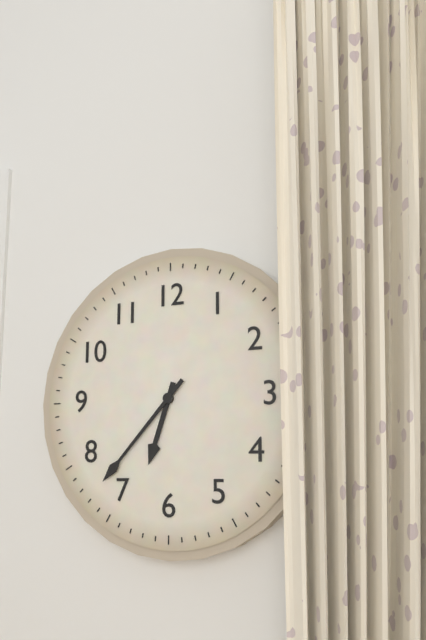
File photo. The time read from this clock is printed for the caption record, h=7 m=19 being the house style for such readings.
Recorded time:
h=6 m=37
